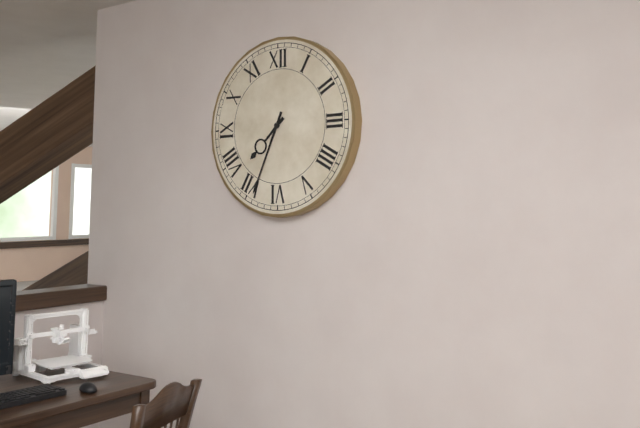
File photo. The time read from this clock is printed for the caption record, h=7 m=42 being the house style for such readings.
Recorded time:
h=7 m=34
